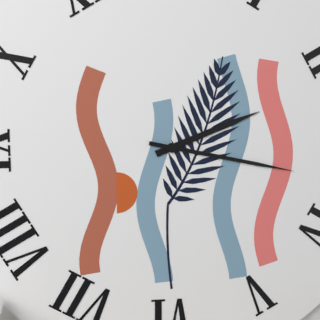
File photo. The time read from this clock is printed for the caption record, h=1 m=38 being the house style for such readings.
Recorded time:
h=2 m=17
